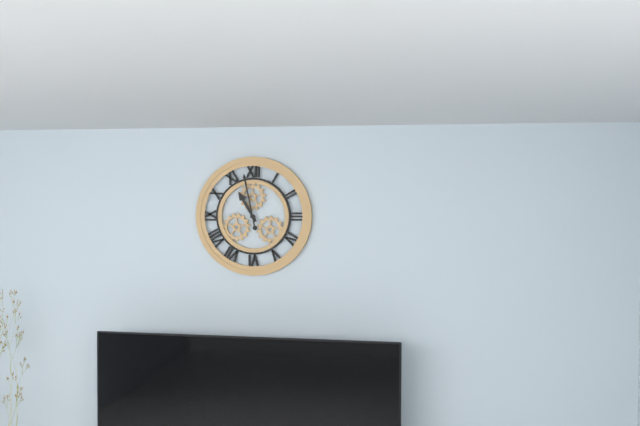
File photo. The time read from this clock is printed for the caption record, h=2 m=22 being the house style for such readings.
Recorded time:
h=10 m=58
